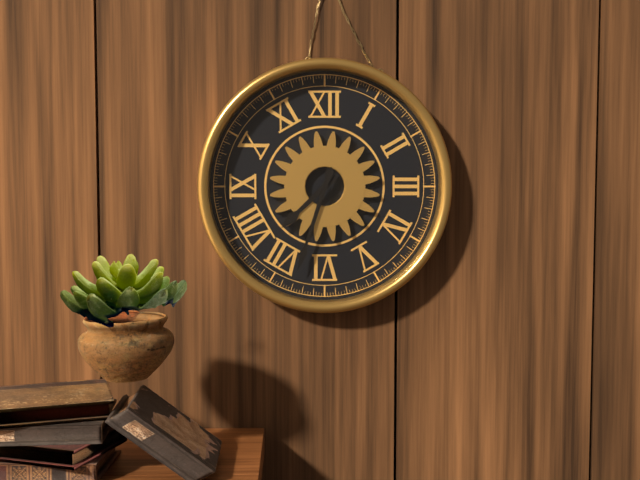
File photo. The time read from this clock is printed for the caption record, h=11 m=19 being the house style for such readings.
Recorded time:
h=7 m=33
